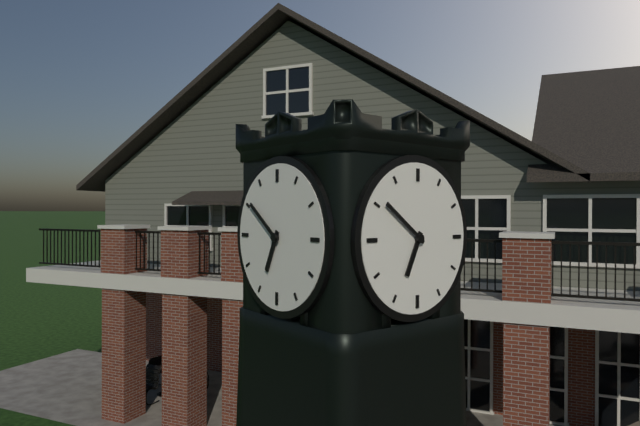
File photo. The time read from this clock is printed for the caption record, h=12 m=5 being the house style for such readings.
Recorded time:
h=6 m=51
